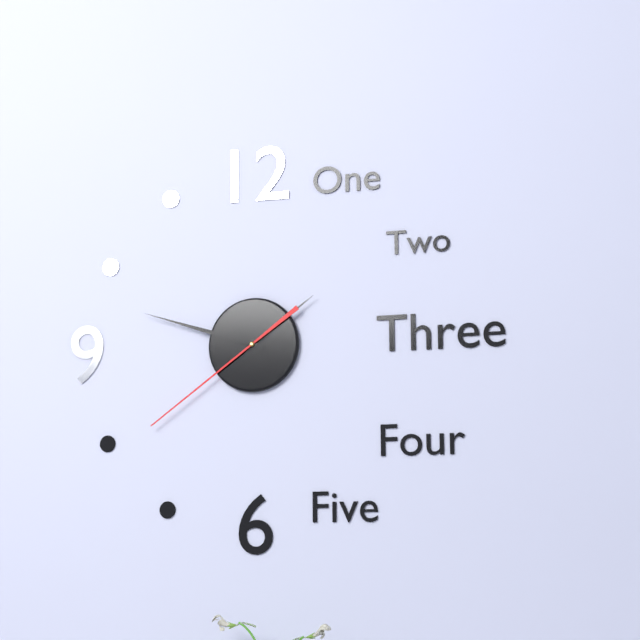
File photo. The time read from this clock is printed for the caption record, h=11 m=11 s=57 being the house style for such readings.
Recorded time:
h=1 m=48 s=39
